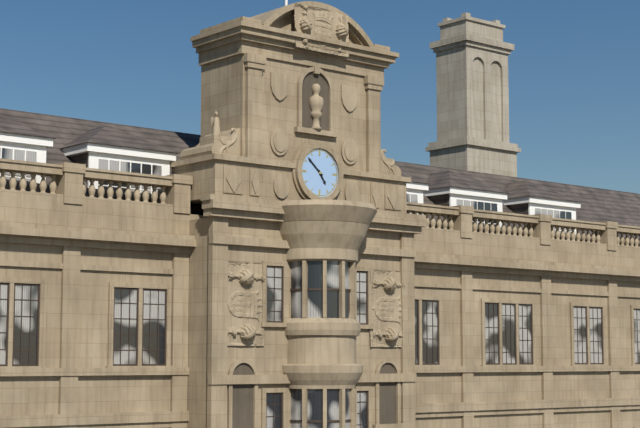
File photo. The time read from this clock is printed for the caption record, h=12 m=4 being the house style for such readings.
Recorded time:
h=4 m=52
